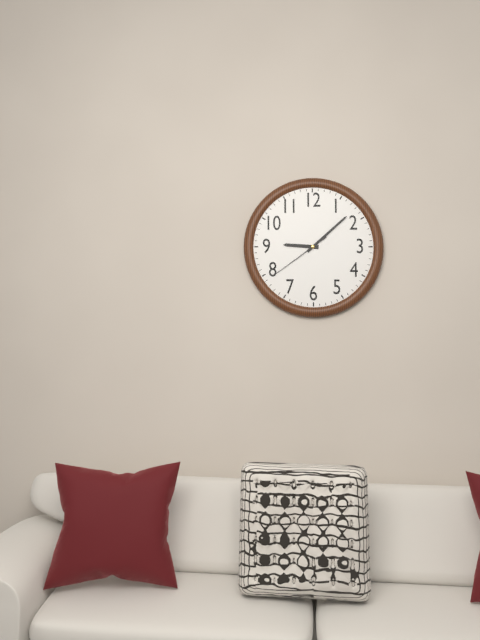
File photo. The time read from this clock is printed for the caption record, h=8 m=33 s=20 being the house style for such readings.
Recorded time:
h=9 m=8 s=39
